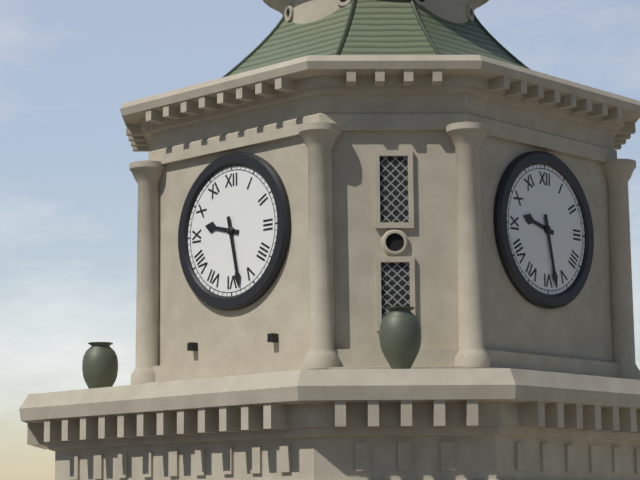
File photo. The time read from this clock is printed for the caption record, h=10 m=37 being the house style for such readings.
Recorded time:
h=9 m=28
